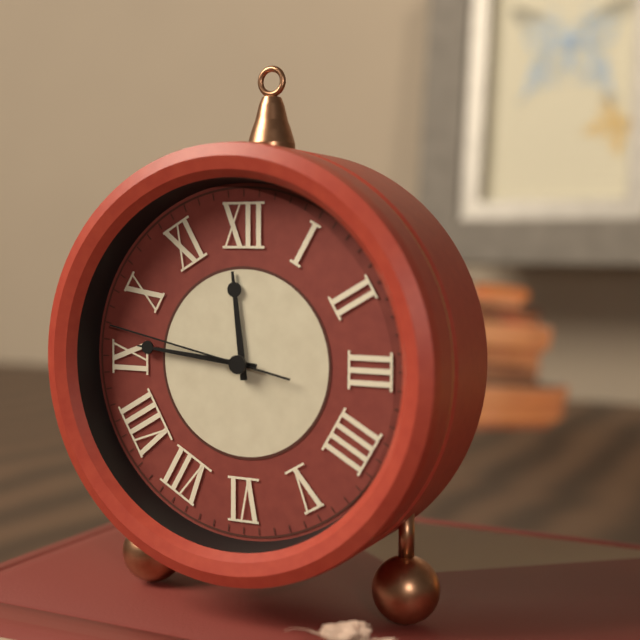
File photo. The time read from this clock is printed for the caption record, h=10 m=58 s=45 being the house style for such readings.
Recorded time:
h=11 m=46 s=47
